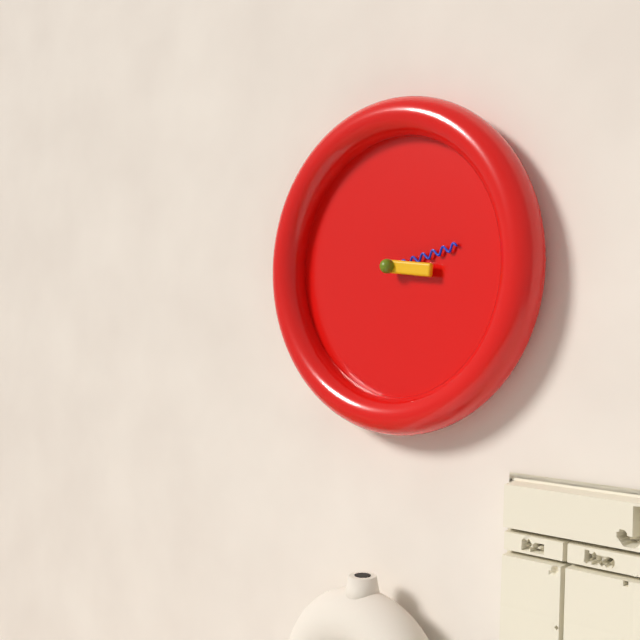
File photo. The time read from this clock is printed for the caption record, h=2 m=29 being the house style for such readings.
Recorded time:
h=3 m=13
